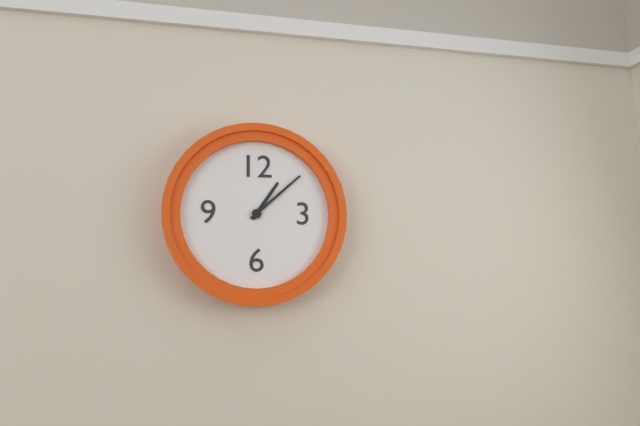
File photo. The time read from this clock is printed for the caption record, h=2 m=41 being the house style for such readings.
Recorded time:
h=1 m=8
